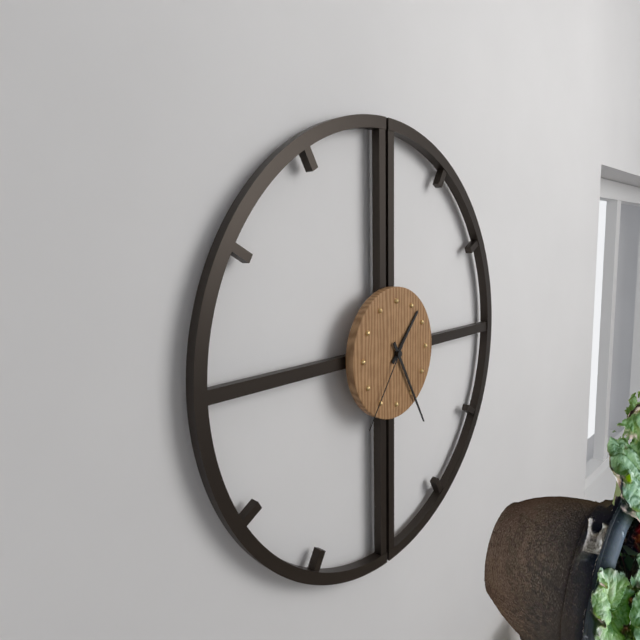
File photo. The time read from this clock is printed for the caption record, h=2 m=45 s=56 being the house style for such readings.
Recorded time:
h=1 m=25 s=36
